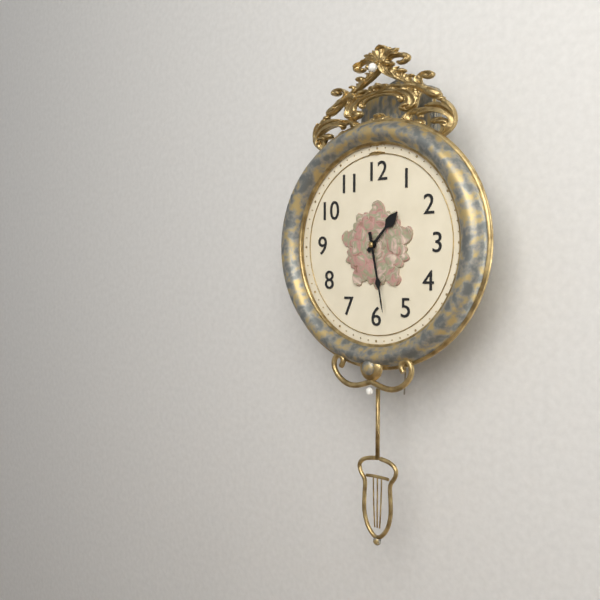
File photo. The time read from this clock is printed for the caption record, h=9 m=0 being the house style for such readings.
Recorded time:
h=1 m=28
